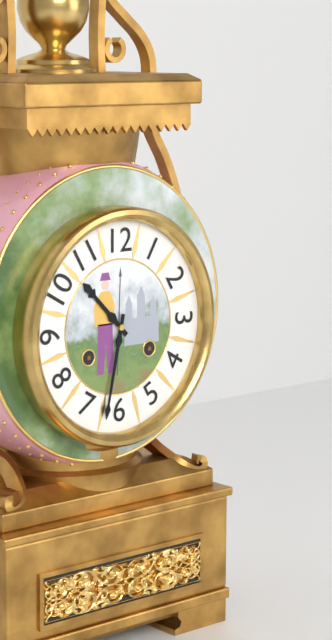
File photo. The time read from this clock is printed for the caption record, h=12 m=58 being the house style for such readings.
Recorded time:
h=10 m=32
